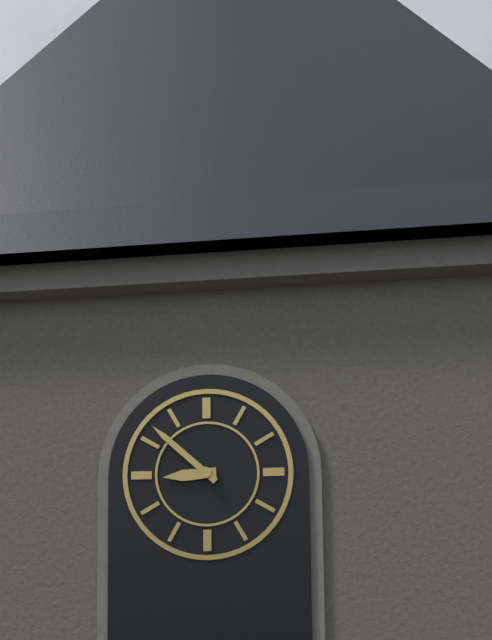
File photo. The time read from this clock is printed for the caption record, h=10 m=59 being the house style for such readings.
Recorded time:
h=8 m=52
